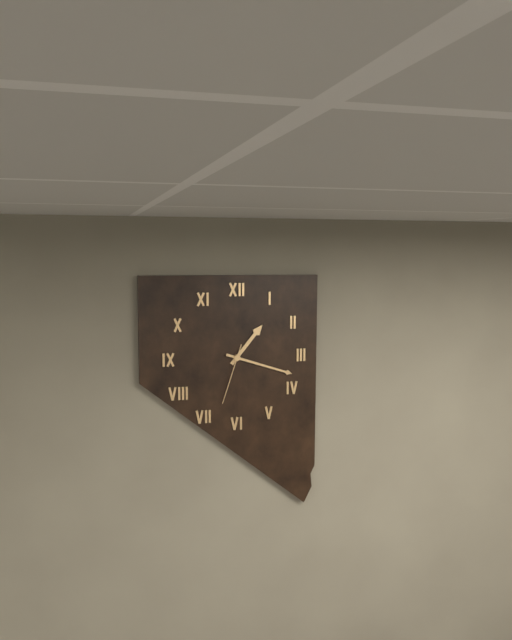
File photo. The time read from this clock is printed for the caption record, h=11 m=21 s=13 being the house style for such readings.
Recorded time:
h=1 m=18 s=33
